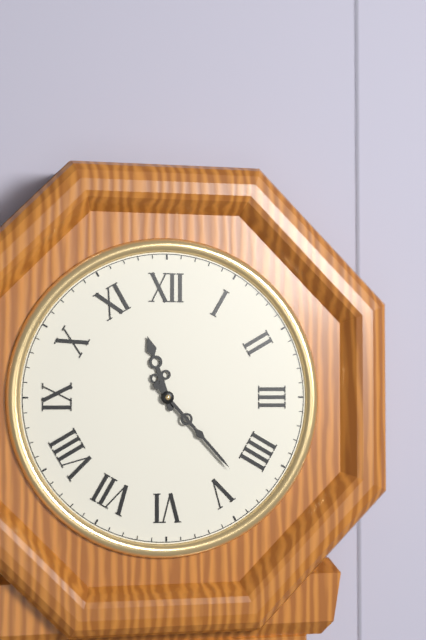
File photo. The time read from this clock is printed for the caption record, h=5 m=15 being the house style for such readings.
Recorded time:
h=11 m=23
